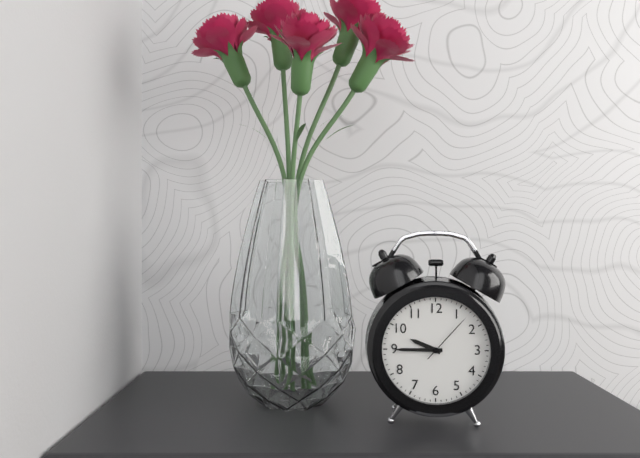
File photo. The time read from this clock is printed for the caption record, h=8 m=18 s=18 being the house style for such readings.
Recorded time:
h=9 m=45 s=7
